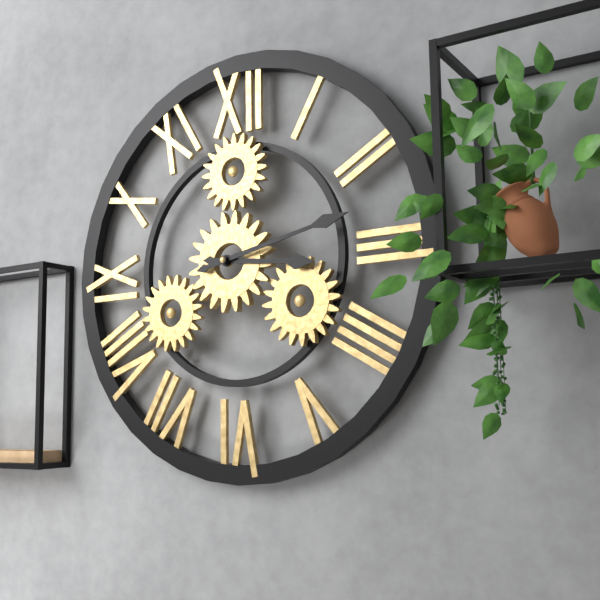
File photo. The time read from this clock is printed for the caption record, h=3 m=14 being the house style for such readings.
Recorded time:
h=3 m=13
